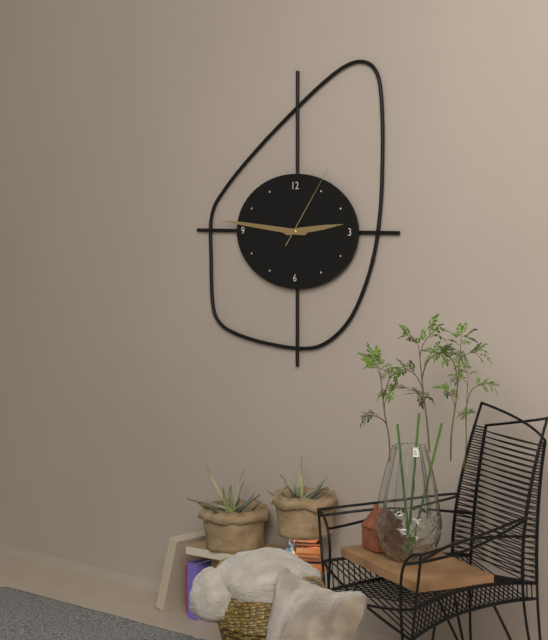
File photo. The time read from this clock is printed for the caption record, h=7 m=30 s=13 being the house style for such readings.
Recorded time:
h=2 m=46 s=6
